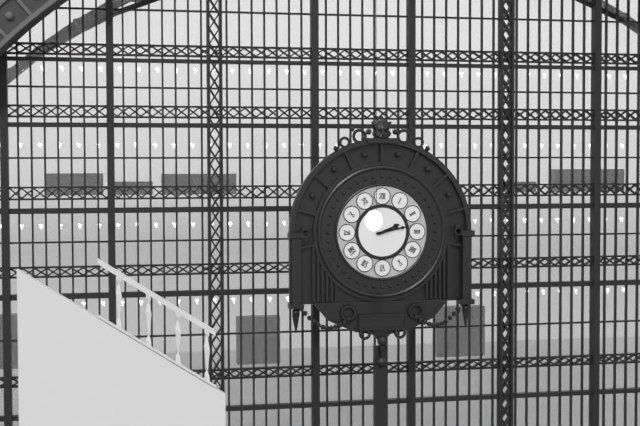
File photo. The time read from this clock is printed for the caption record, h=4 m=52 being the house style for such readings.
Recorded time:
h=2 m=13
